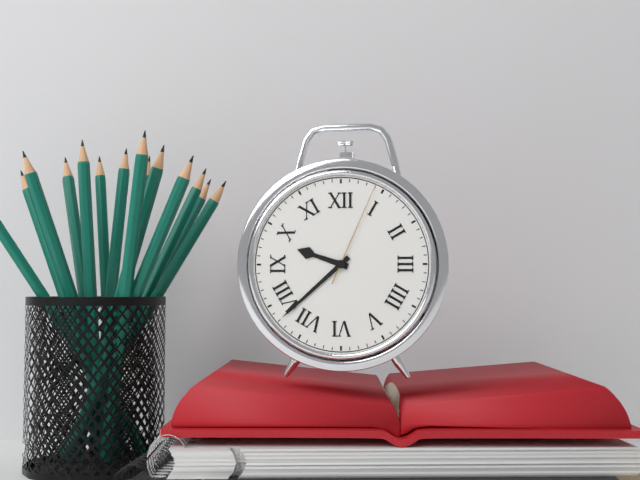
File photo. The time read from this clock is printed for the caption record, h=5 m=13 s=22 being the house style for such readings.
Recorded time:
h=9 m=38 s=4
